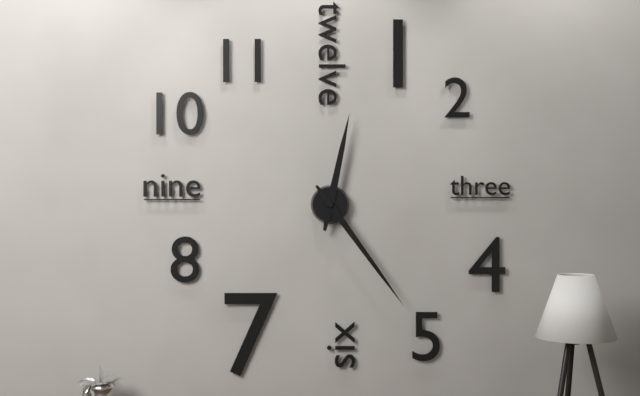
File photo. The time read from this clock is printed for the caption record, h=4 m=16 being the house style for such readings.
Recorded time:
h=12 m=24
